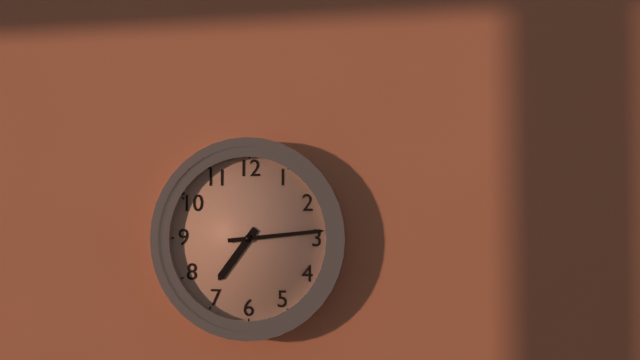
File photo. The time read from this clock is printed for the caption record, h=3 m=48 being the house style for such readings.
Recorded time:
h=7 m=14
